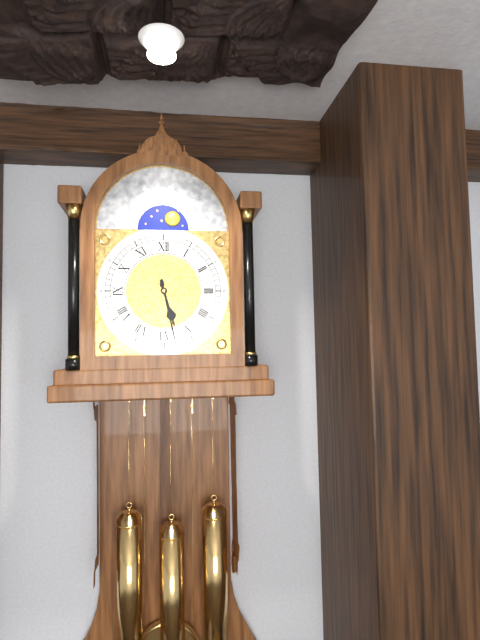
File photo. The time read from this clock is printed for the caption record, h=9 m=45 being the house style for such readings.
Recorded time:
h=5 m=28
